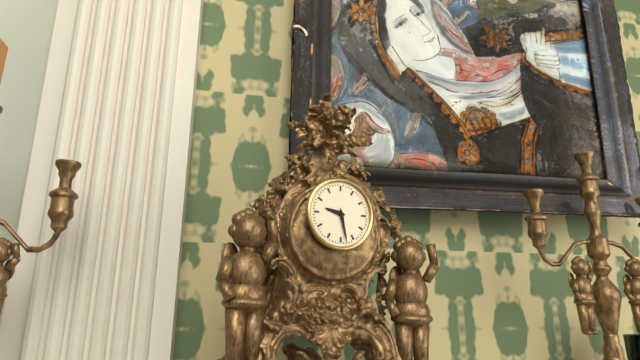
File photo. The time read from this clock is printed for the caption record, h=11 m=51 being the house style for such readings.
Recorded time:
h=9 m=28
